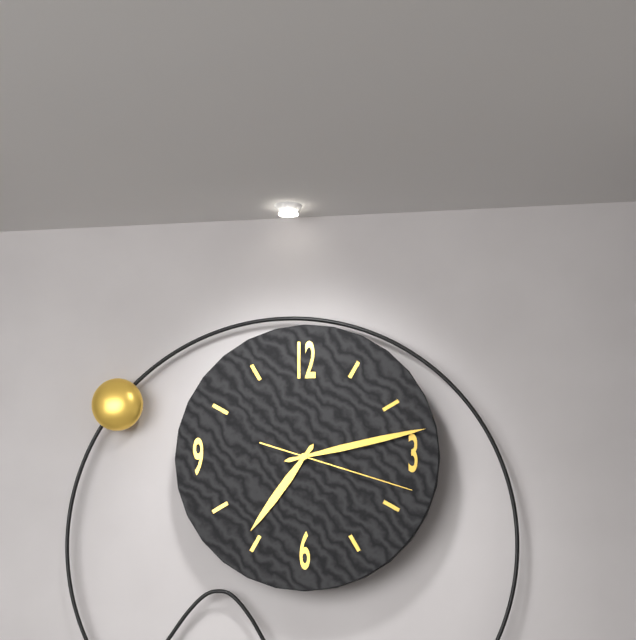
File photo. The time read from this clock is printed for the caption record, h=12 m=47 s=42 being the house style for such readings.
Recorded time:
h=7 m=13 s=18
